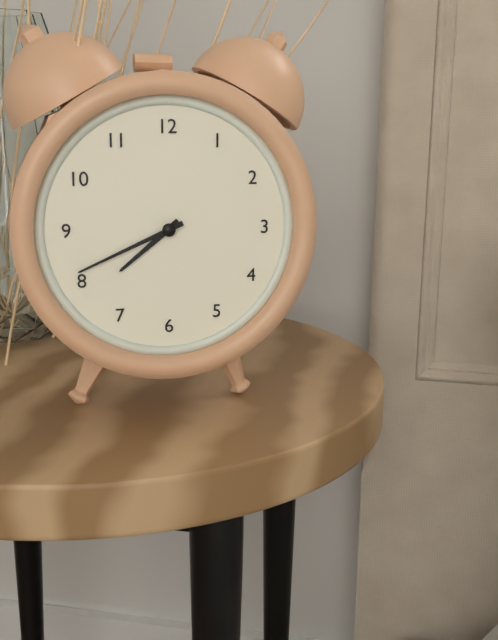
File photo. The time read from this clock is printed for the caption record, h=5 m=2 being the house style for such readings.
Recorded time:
h=7 m=41
